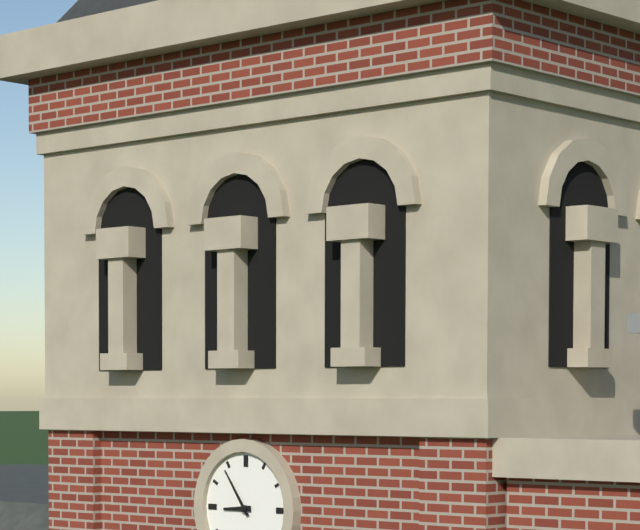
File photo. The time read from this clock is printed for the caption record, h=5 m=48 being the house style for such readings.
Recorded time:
h=8 m=54
